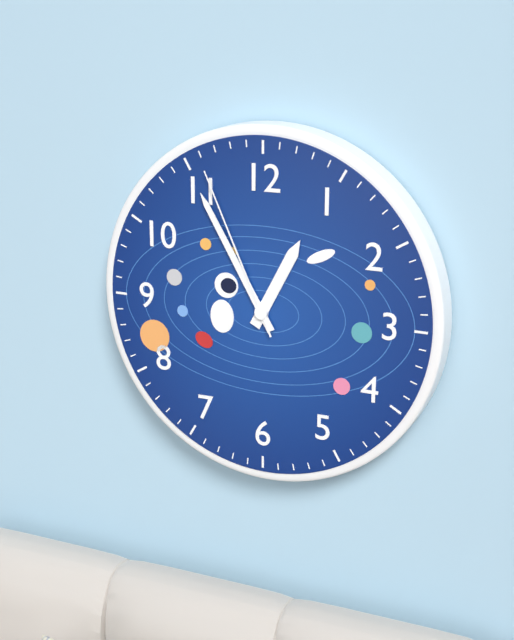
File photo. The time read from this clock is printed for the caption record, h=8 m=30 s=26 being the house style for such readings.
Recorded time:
h=12 m=55 s=56
